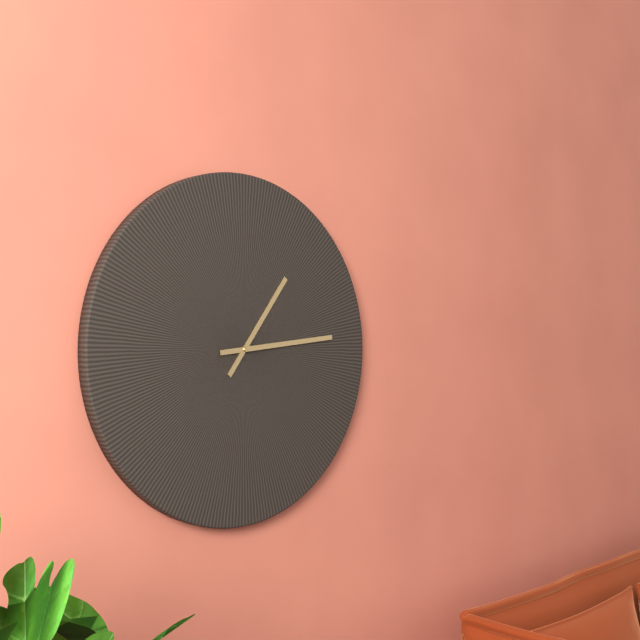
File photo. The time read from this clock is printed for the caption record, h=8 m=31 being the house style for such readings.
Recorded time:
h=1 m=14
